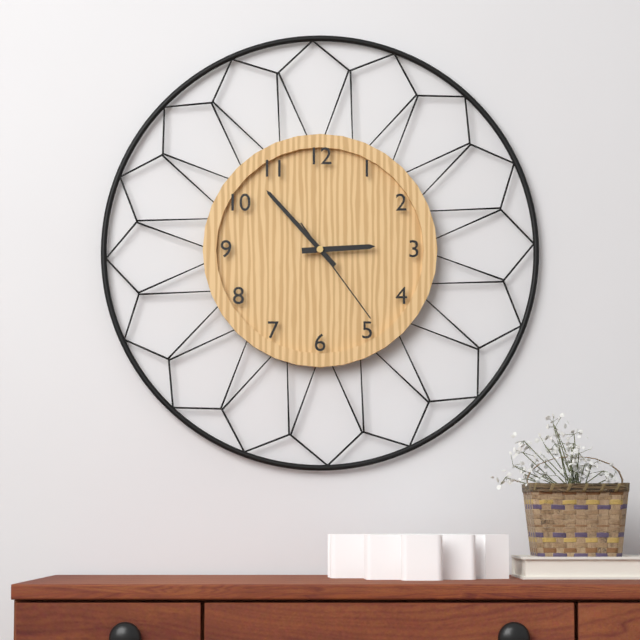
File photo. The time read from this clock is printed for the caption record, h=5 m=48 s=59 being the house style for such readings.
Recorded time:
h=2 m=53 s=24
